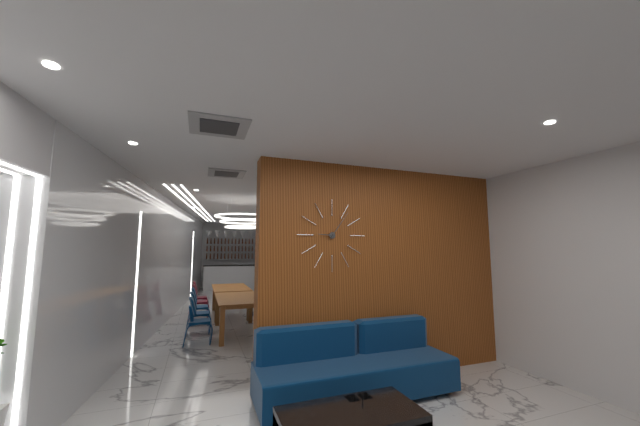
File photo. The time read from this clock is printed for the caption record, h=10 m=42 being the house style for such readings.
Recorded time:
h=9 m=6
